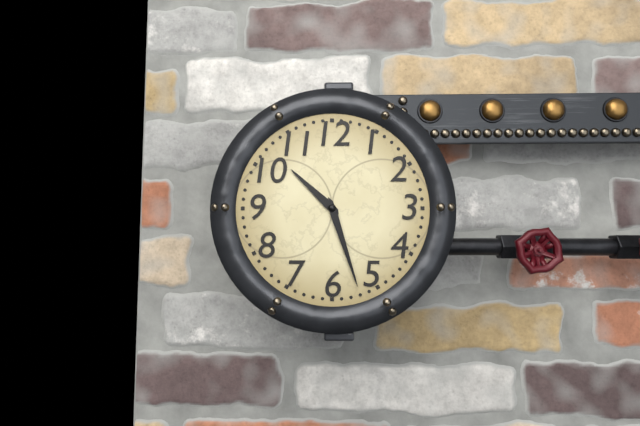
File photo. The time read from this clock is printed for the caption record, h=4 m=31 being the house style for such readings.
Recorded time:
h=10 m=27
